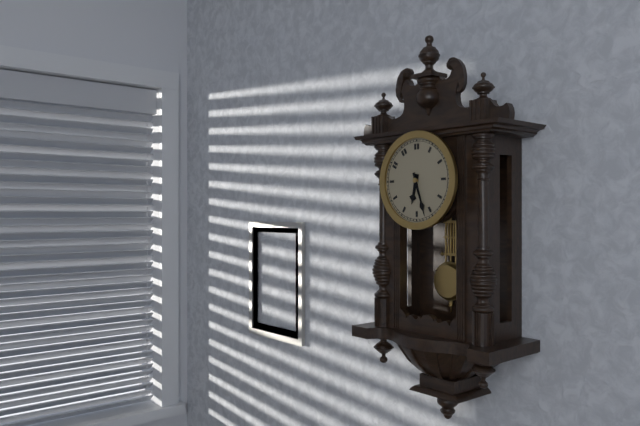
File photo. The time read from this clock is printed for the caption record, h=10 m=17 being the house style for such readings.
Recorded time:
h=6 m=27
